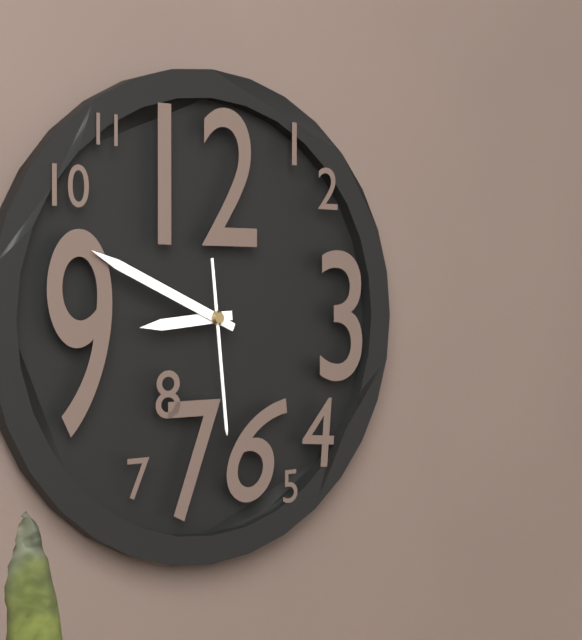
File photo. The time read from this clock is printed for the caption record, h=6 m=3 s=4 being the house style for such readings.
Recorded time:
h=8 m=49 s=29
